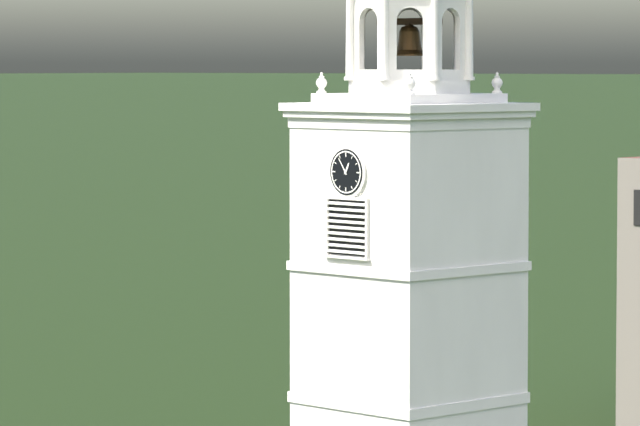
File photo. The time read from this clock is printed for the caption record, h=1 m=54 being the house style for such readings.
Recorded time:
h=12 m=54
